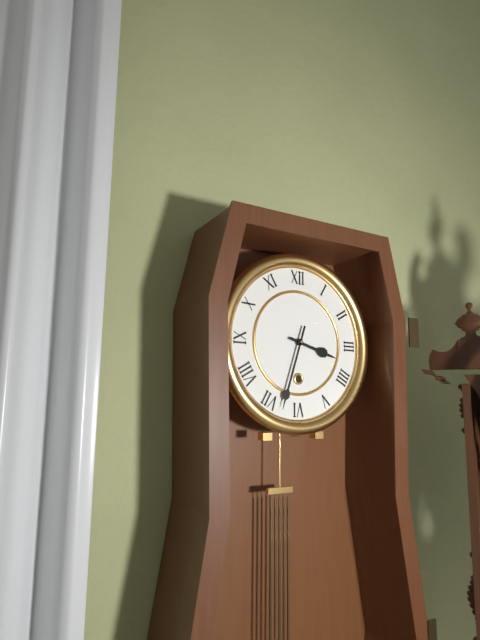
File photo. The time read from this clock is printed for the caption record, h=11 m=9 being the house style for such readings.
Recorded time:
h=3 m=33
